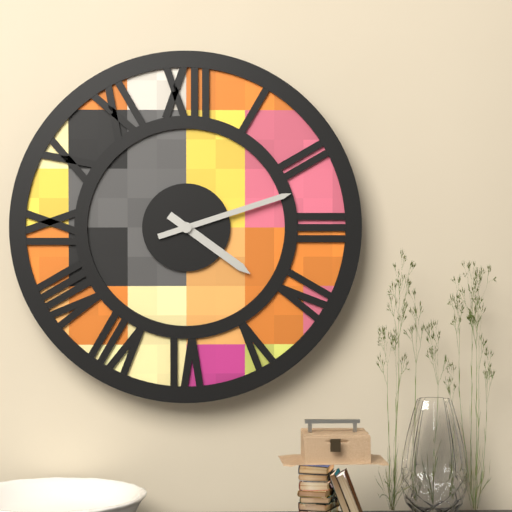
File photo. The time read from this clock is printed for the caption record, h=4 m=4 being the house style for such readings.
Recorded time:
h=4 m=12
